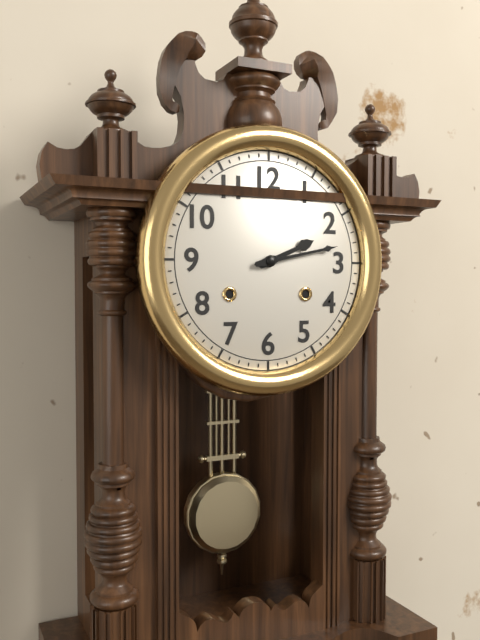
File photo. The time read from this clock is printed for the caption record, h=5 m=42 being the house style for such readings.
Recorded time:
h=2 m=13
